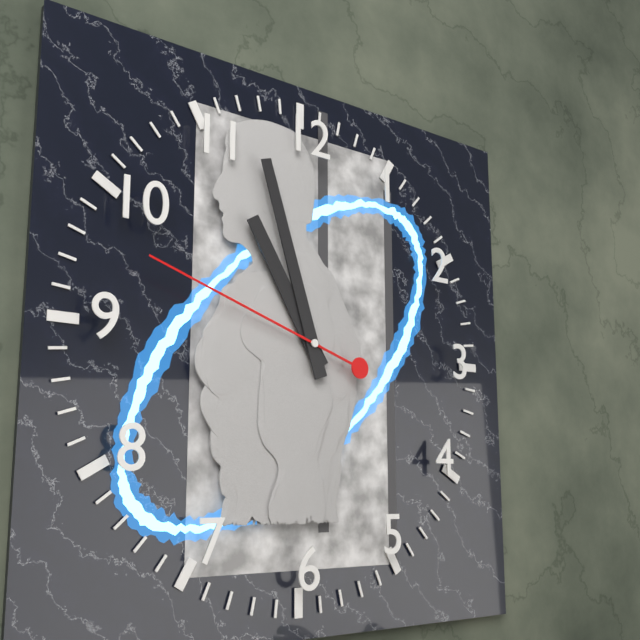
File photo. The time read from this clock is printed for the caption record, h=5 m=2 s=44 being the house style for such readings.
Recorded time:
h=10 m=57 s=48
